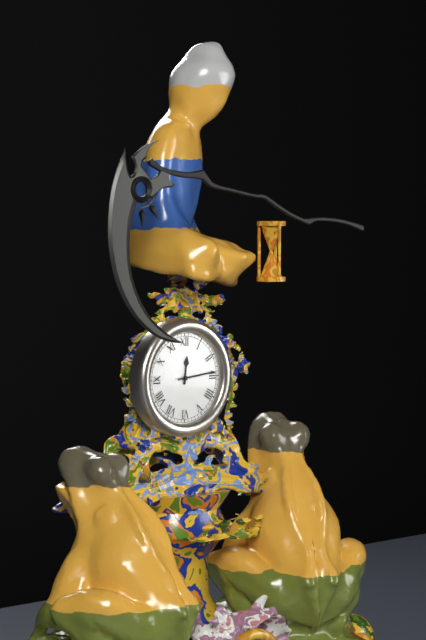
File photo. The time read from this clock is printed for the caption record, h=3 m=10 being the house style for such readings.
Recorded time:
h=12 m=14
